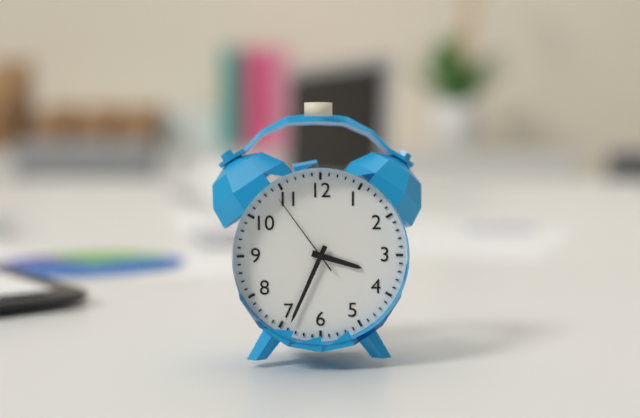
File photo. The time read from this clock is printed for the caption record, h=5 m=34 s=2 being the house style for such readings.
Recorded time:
h=3 m=34 s=54
